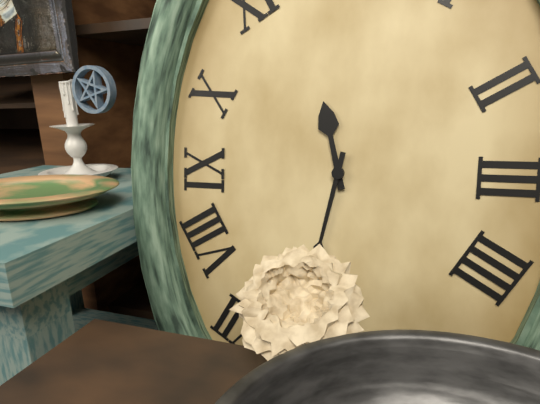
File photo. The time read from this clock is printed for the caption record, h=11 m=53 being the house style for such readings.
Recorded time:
h=11 m=32
